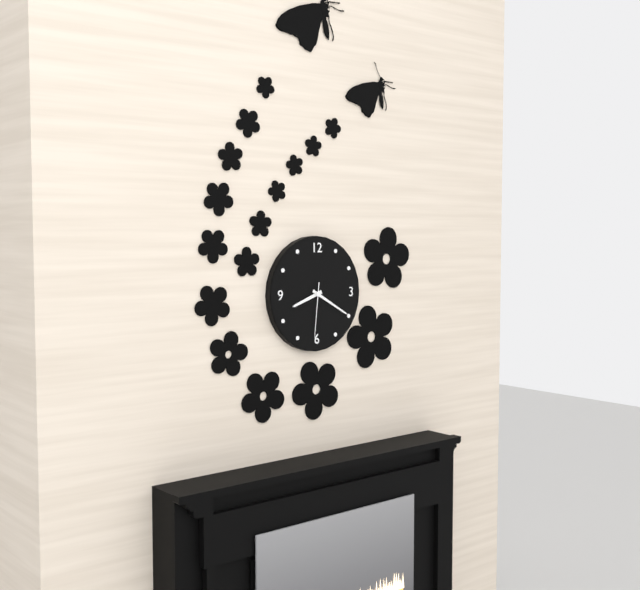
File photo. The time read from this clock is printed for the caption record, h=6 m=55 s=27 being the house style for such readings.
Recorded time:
h=8 m=20 s=31
